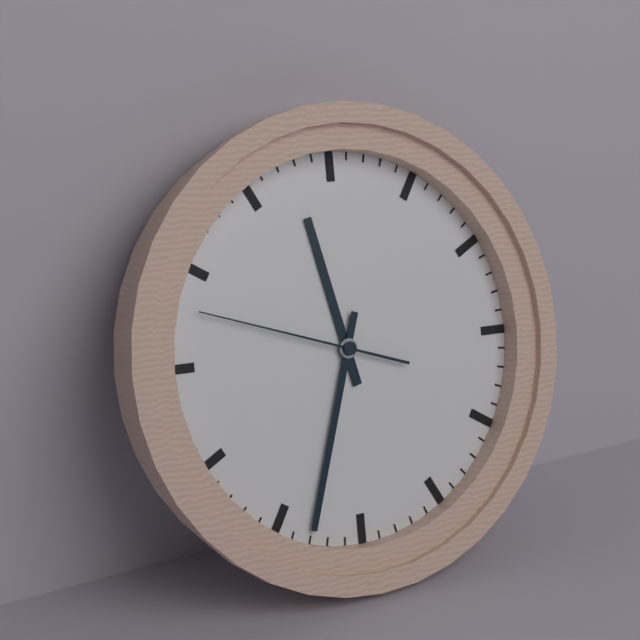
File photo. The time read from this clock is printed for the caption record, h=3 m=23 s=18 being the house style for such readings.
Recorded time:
h=11 m=33 s=48
